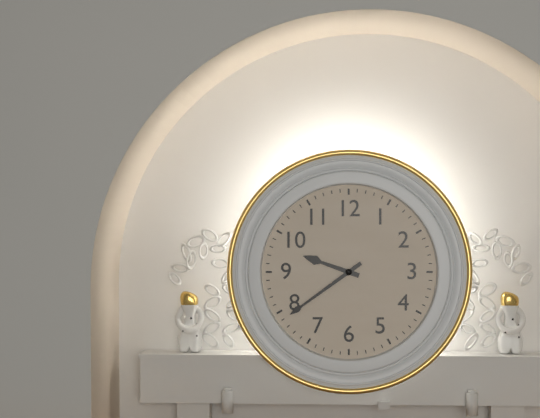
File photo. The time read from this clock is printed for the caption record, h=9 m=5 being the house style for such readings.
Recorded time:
h=9 m=39
